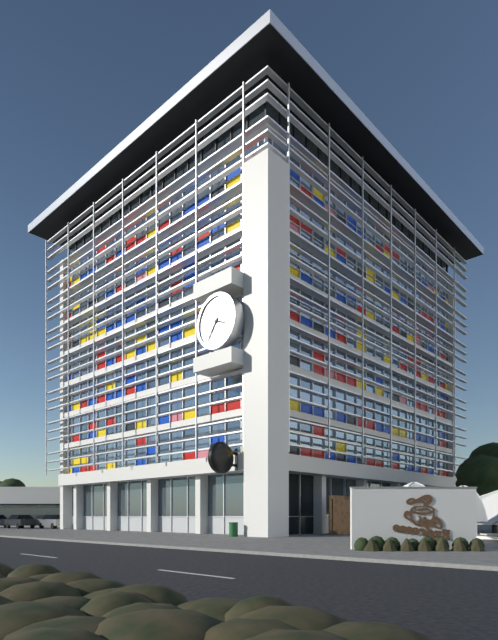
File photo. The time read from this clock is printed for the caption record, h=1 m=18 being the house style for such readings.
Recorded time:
h=3 m=36
